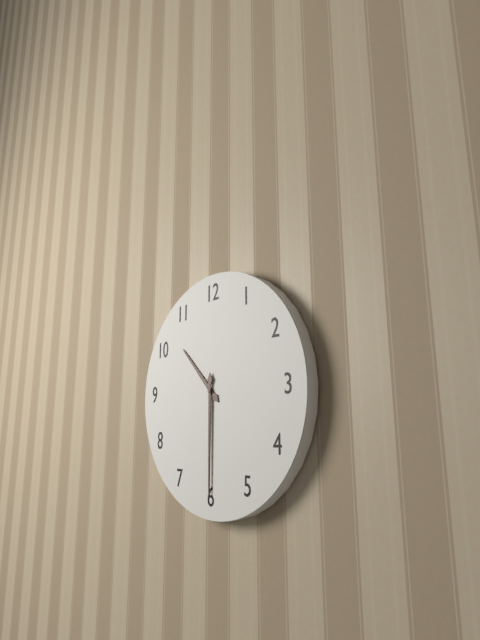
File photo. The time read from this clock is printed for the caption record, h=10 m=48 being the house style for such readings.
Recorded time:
h=10 m=30
